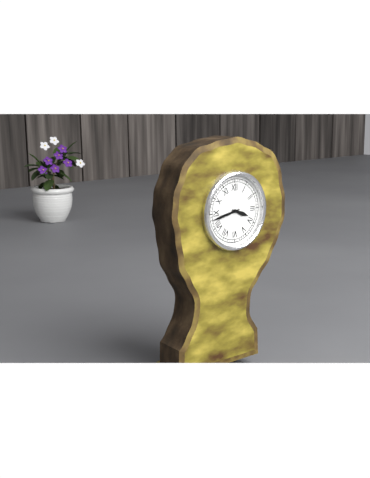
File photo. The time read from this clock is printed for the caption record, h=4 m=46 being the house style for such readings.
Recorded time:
h=3 m=43
